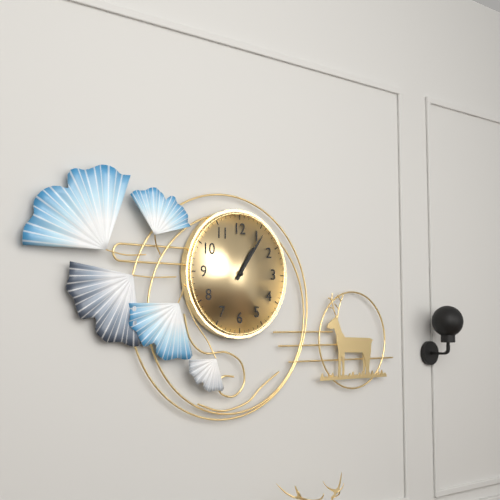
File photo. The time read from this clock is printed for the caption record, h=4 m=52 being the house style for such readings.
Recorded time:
h=1 m=6
